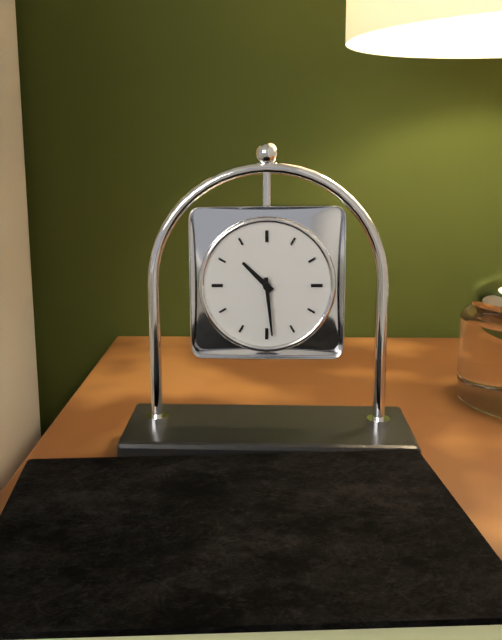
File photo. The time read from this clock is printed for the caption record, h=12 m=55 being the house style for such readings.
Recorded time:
h=10 m=29
